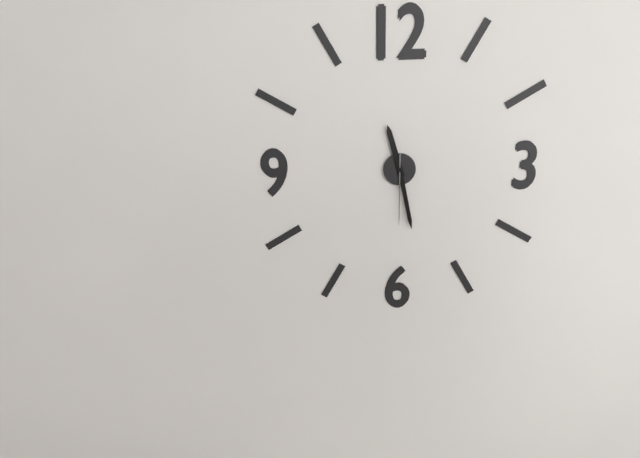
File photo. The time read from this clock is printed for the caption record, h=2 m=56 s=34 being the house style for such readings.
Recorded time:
h=11 m=28 s=30
